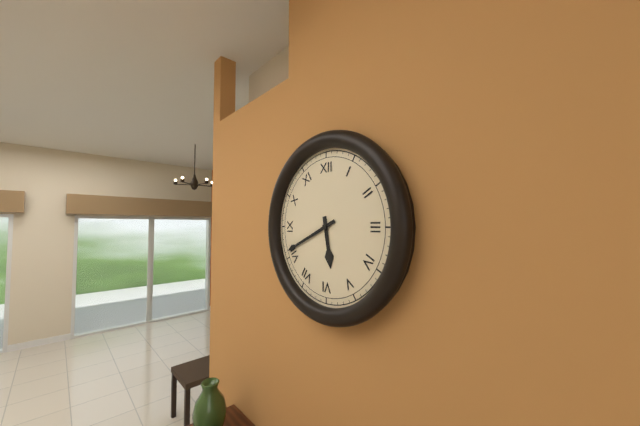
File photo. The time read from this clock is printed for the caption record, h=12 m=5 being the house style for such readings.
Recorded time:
h=5 m=41
